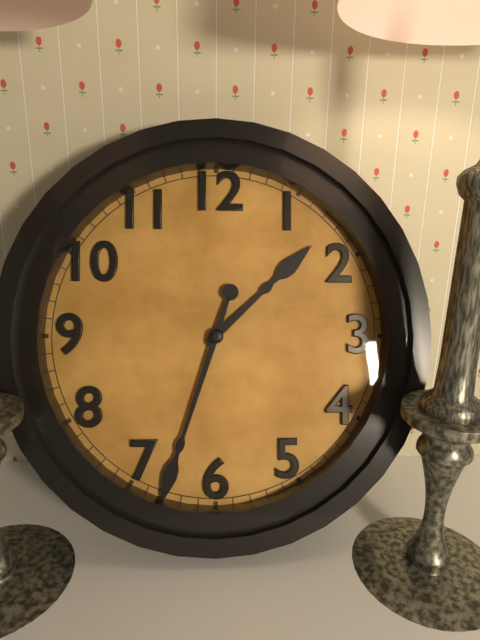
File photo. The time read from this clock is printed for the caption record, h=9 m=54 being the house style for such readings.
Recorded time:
h=1 m=33
